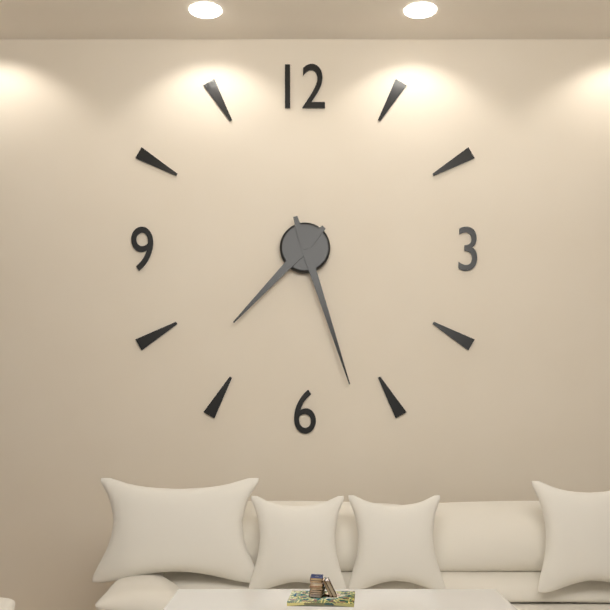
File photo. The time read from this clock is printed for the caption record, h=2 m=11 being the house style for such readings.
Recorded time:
h=7 m=27
